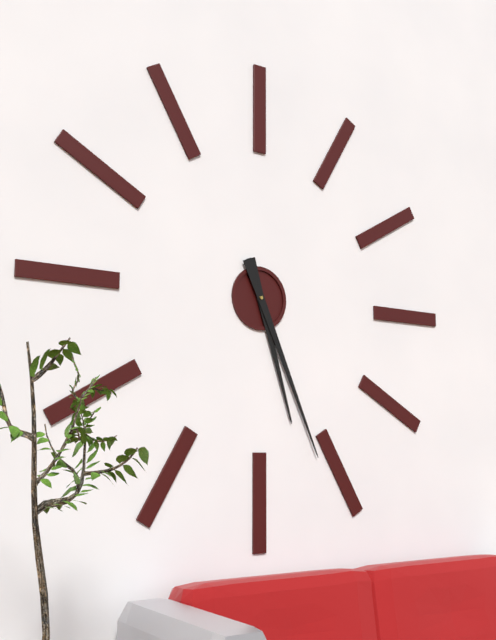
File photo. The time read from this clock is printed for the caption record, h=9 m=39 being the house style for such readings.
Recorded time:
h=5 m=26
